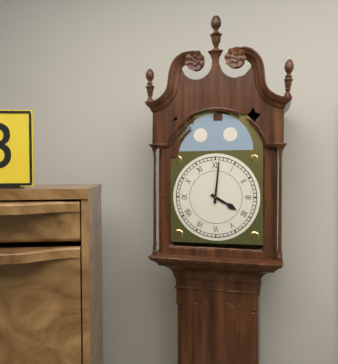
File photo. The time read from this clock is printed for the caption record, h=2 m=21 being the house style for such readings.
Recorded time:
h=4 m=1
